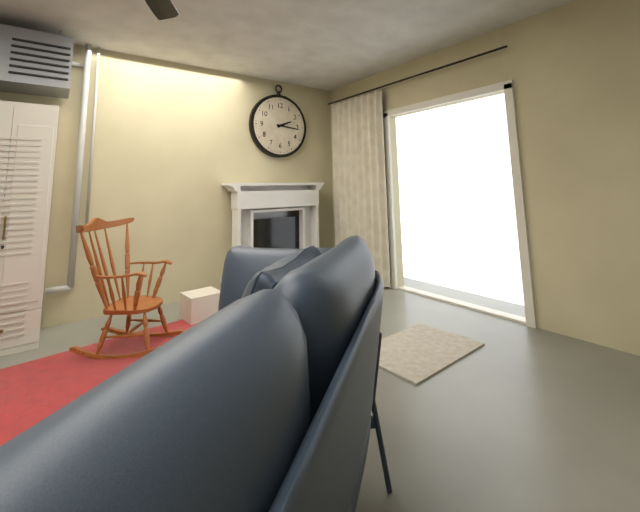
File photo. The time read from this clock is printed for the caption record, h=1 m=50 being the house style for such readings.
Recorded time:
h=2 m=16
